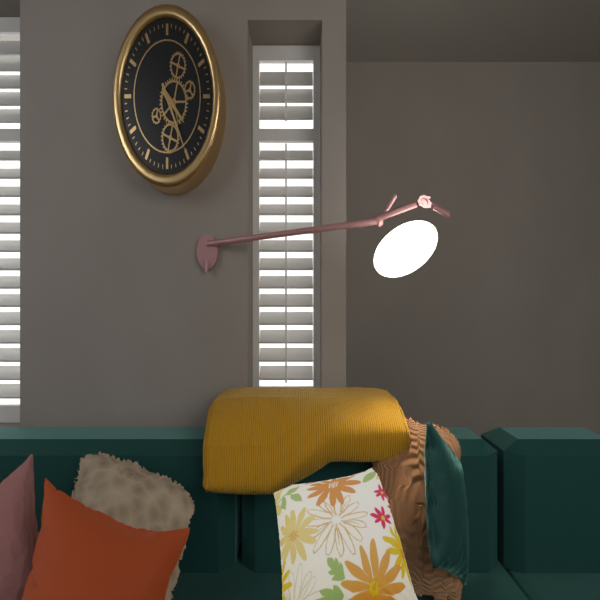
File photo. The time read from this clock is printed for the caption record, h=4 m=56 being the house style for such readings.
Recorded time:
h=4 m=25
